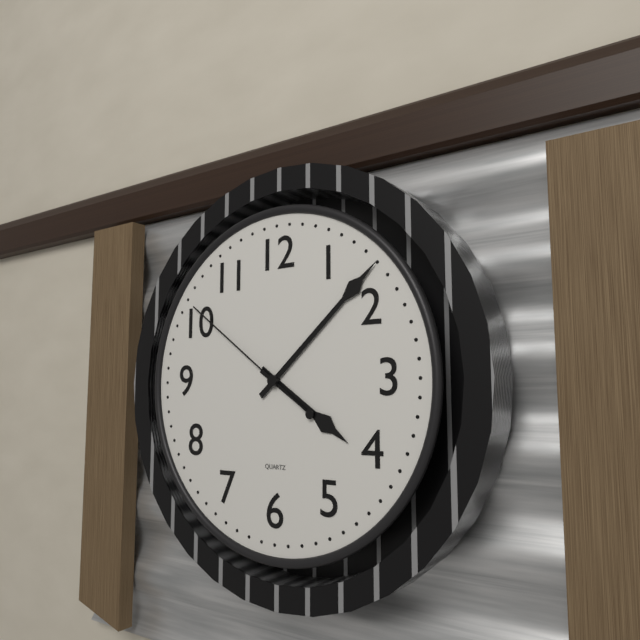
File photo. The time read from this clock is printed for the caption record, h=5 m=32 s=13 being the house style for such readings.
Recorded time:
h=4 m=8 s=51
